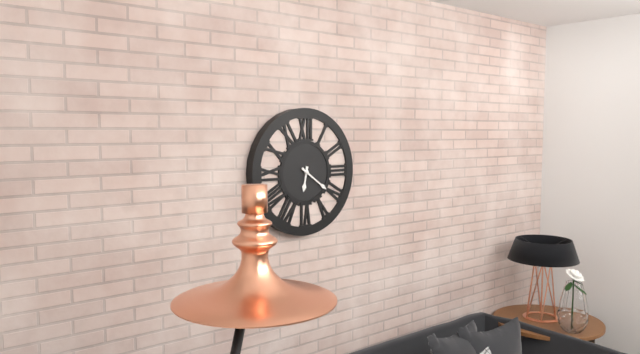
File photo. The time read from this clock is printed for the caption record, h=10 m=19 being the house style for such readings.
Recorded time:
h=6 m=21
